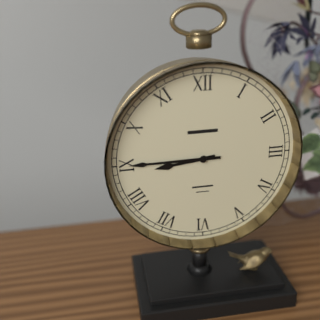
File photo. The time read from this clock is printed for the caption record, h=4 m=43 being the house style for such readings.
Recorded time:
h=8 m=45
